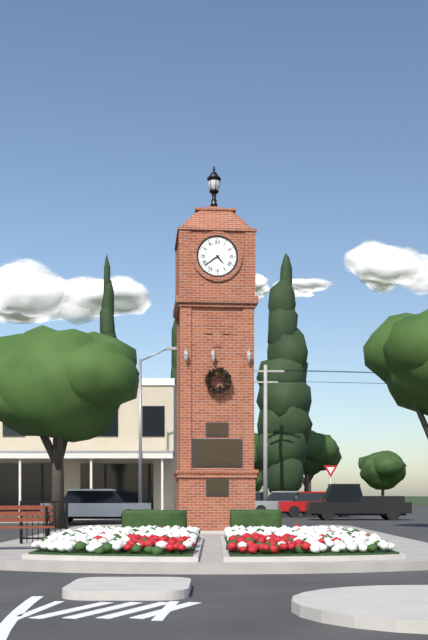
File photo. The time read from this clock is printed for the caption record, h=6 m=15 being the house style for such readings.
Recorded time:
h=4 m=39
